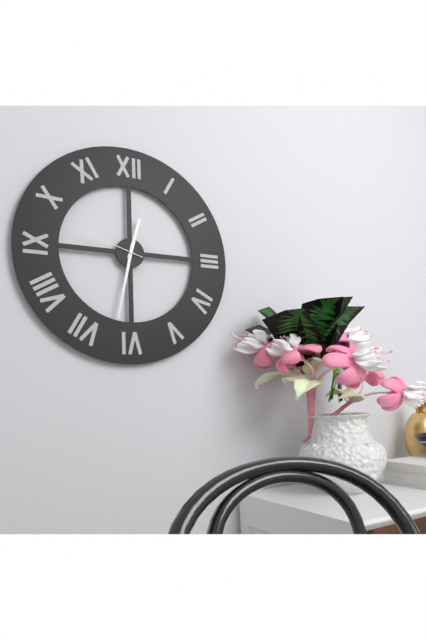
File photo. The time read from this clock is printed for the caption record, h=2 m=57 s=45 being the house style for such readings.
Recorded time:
h=12 m=32 s=48
